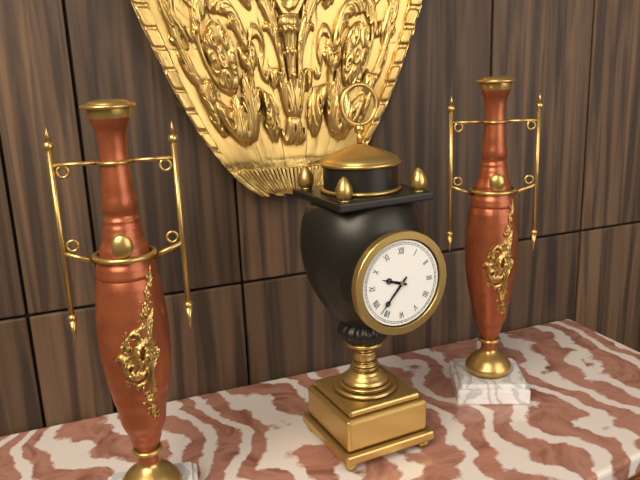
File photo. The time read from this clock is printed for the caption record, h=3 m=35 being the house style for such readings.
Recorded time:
h=9 m=37
